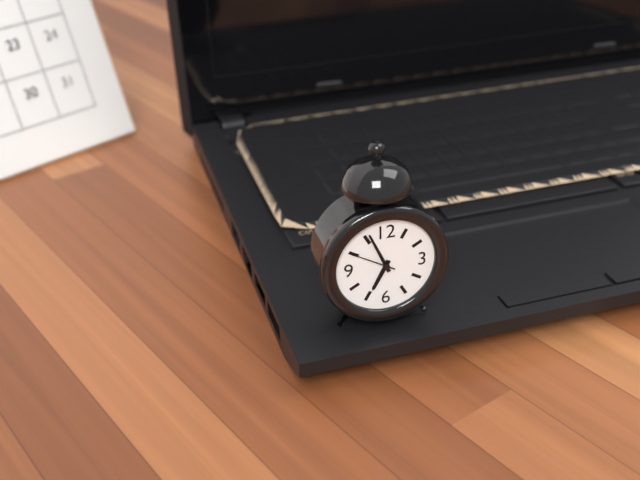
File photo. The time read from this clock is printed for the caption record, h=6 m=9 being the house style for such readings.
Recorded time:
h=6 m=56
